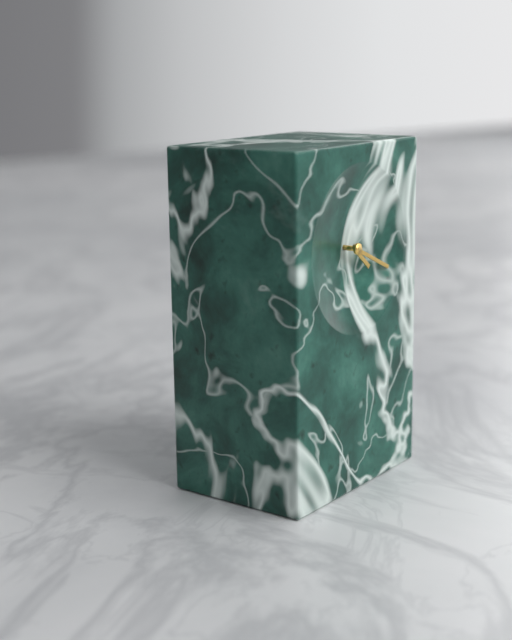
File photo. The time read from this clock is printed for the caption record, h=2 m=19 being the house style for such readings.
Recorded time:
h=4 m=19
